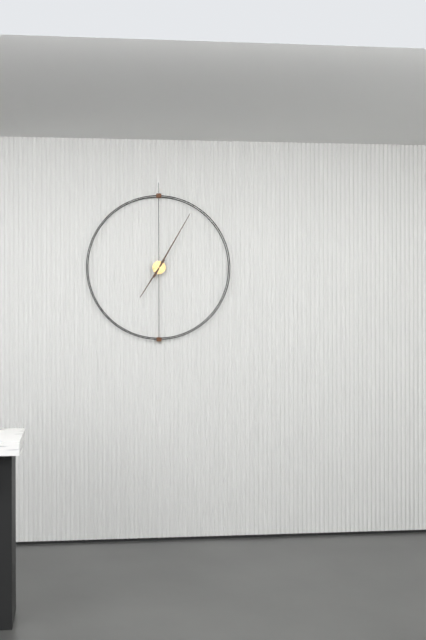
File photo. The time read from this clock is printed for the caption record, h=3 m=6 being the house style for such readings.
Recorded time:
h=7 m=5
